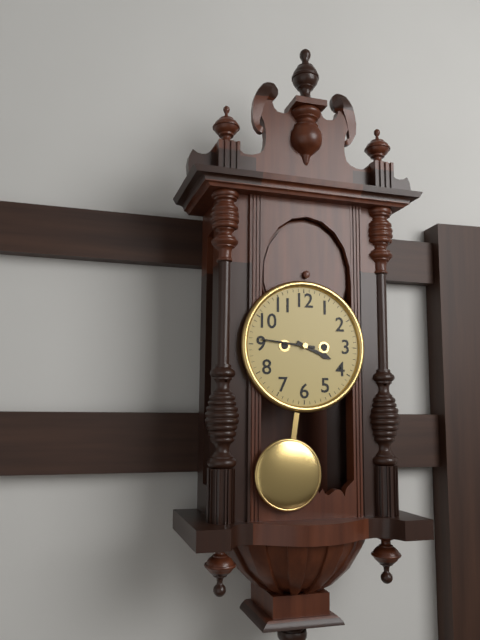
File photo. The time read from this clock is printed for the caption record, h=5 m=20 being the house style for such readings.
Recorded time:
h=3 m=46
